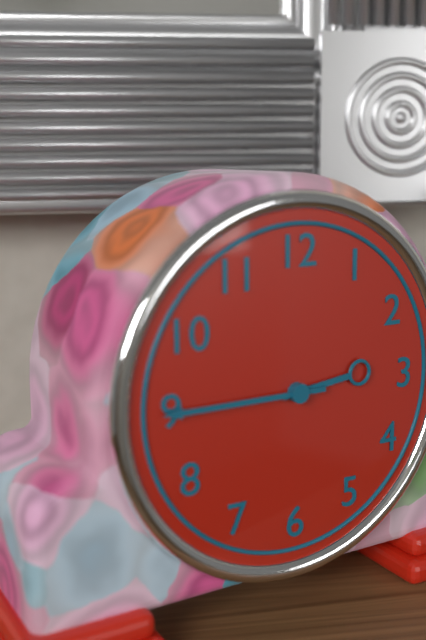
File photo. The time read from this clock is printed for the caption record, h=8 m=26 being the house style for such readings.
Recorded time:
h=2 m=45
